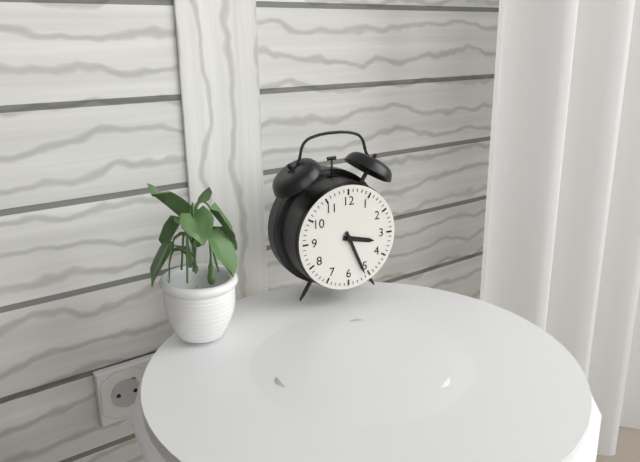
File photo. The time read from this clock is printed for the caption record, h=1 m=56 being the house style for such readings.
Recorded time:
h=3 m=26
